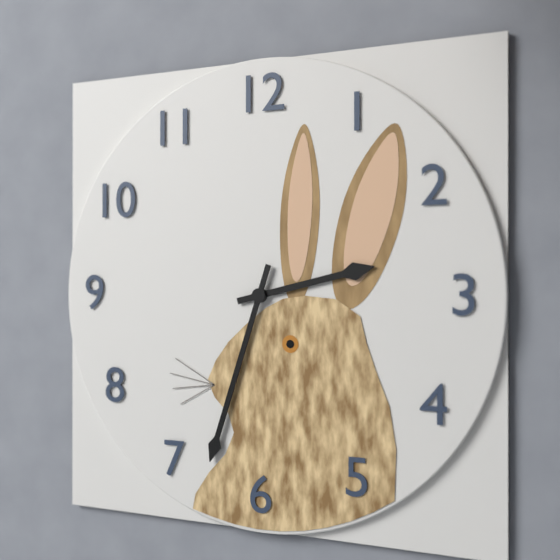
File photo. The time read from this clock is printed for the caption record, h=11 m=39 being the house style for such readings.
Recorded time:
h=2 m=33
